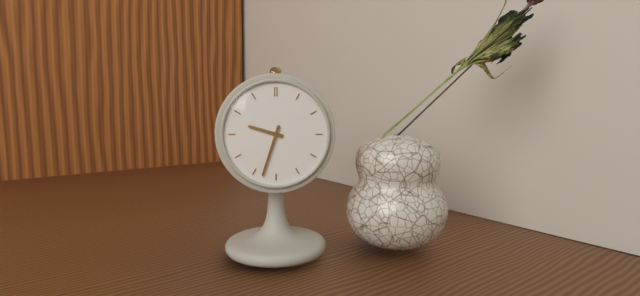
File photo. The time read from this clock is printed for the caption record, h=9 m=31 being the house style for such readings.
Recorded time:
h=9 m=33
